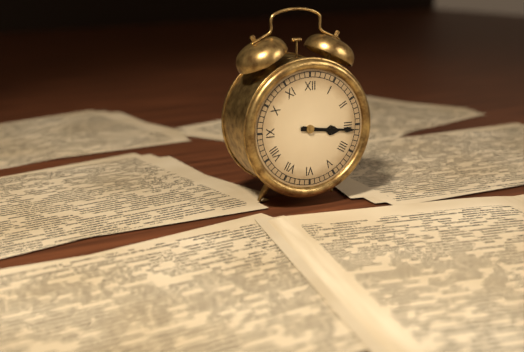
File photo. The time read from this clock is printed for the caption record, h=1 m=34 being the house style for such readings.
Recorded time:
h=3 m=16
